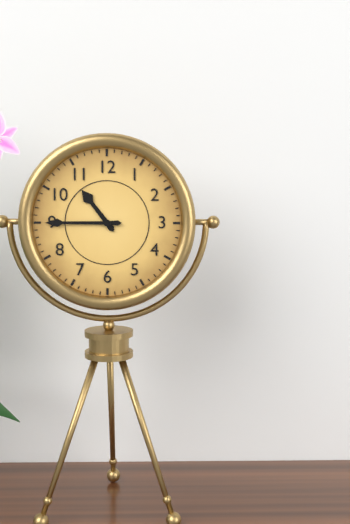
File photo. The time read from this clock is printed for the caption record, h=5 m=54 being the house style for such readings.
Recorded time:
h=10 m=45
